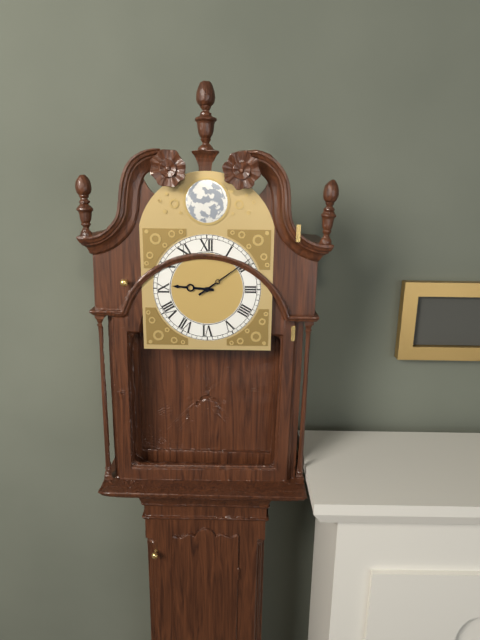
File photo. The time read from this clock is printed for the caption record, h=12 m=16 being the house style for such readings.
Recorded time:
h=9 m=9
